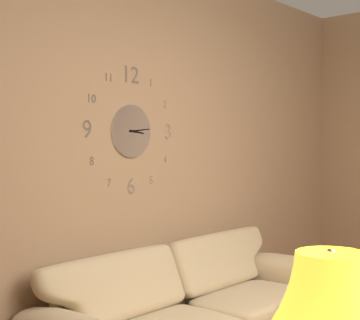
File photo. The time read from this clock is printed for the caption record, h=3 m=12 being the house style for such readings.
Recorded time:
h=3 m=14
